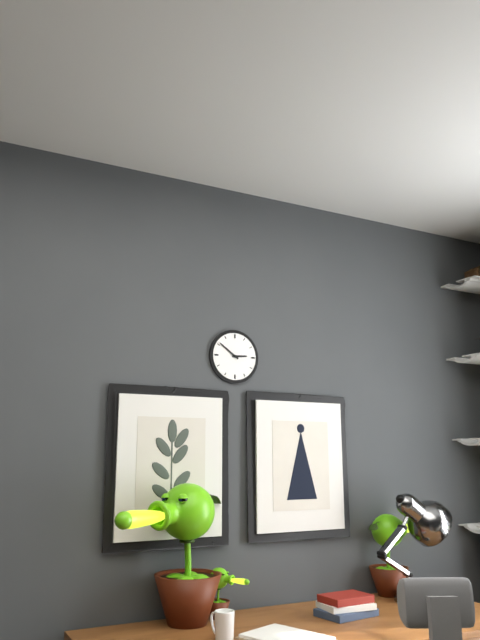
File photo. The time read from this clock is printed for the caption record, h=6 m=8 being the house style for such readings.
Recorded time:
h=2 m=51
